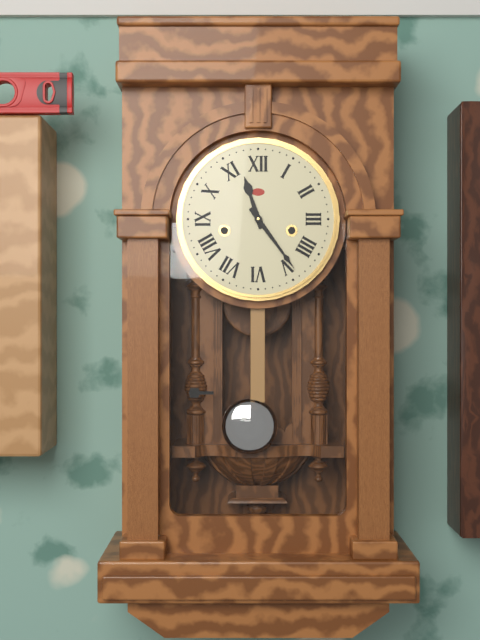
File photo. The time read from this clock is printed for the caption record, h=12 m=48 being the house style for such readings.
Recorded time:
h=11 m=24
